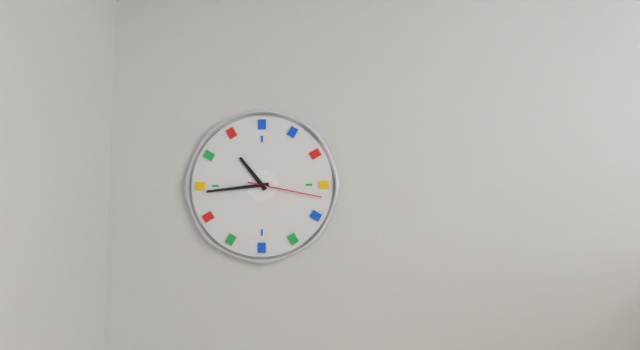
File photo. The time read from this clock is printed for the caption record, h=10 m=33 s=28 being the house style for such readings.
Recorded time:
h=10 m=44 s=17
